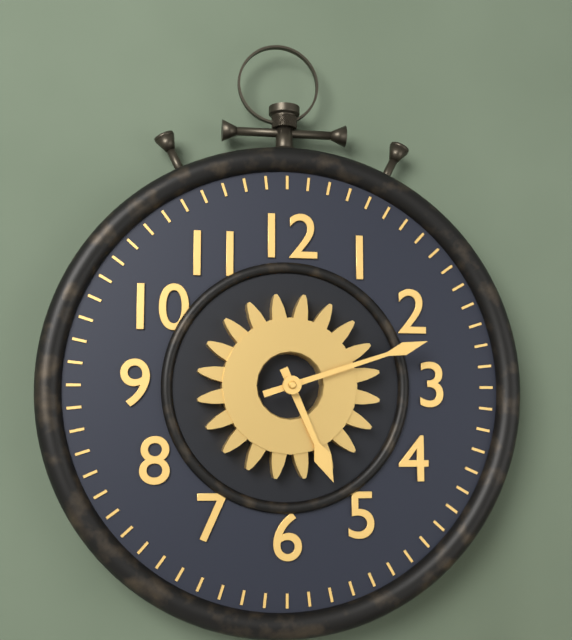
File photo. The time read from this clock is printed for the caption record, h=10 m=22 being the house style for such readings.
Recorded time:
h=5 m=12
